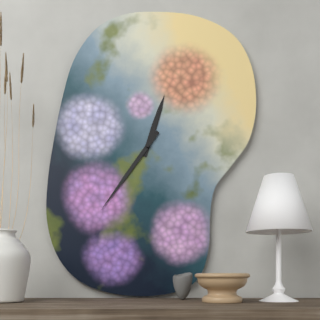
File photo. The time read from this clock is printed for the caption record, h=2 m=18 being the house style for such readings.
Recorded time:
h=12 m=36
